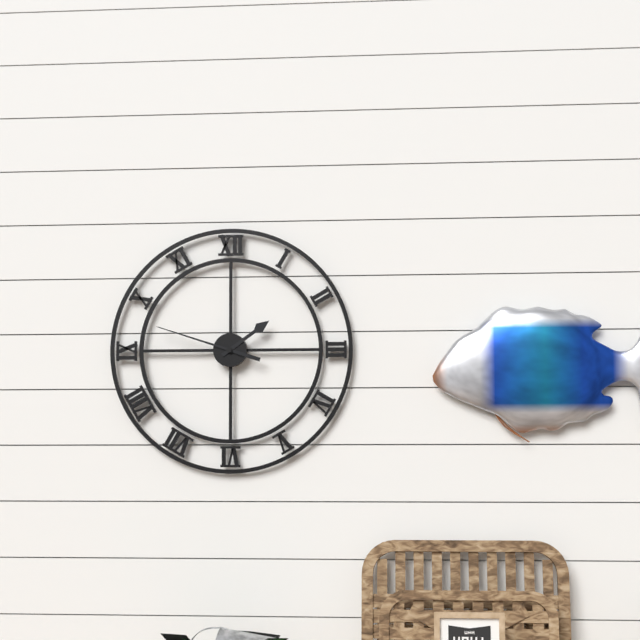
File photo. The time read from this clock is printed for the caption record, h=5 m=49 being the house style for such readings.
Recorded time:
h=1 m=48
